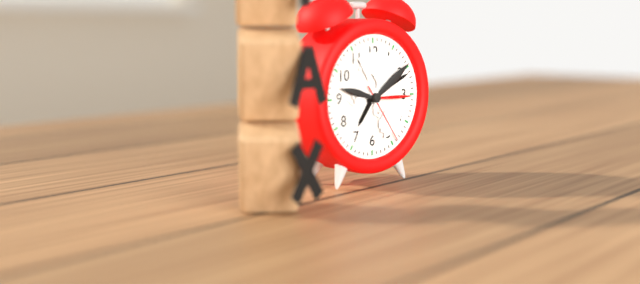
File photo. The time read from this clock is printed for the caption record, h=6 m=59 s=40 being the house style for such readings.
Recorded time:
h=7 m=11 s=24
